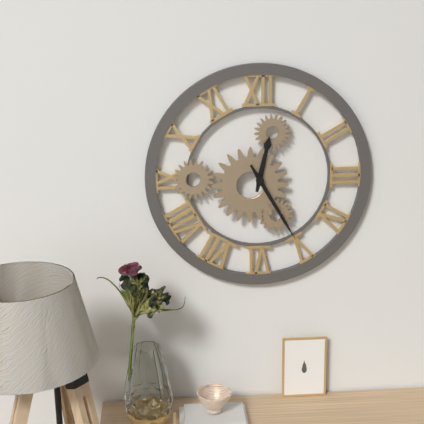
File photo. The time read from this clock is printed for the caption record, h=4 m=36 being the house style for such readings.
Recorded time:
h=12 m=25
